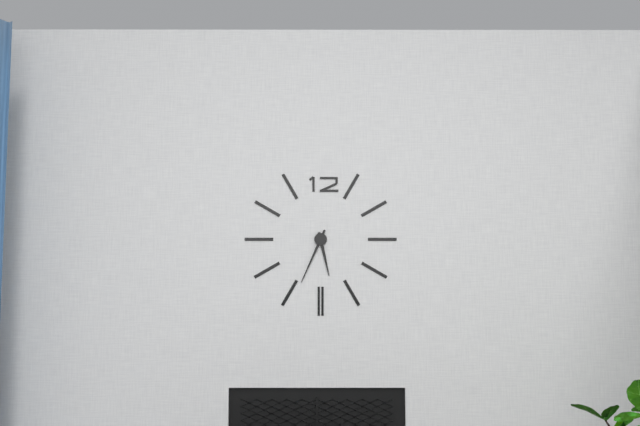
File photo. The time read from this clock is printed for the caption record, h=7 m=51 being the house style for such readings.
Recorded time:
h=5 m=34
